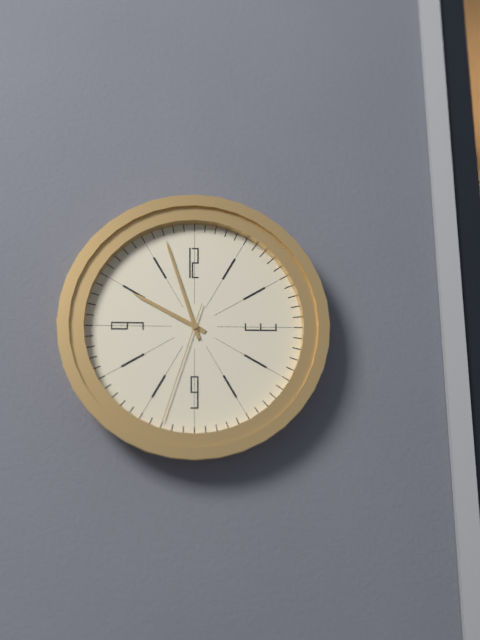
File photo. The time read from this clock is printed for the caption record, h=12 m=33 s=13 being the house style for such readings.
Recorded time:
h=9 m=57 s=33
